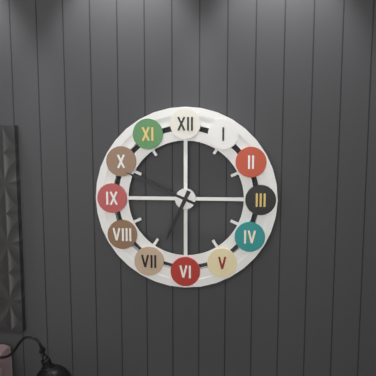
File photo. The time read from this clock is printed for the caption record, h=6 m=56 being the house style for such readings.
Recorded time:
h=6 m=49
